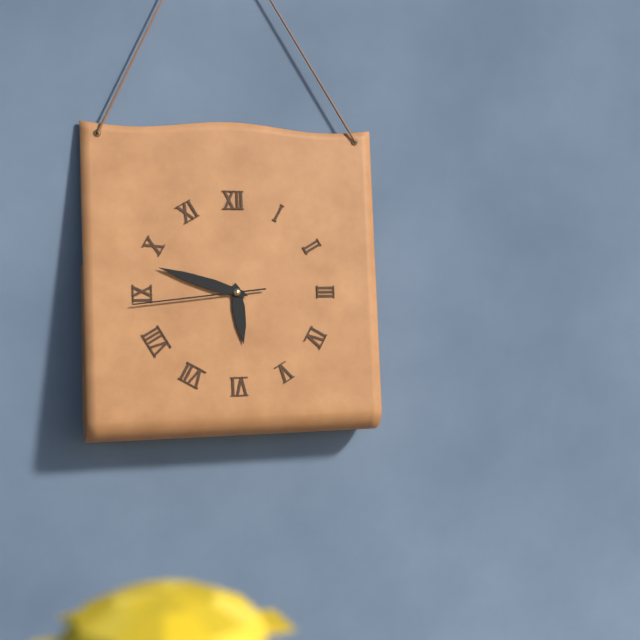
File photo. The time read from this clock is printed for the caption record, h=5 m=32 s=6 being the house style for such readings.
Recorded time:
h=5 m=48 s=44
